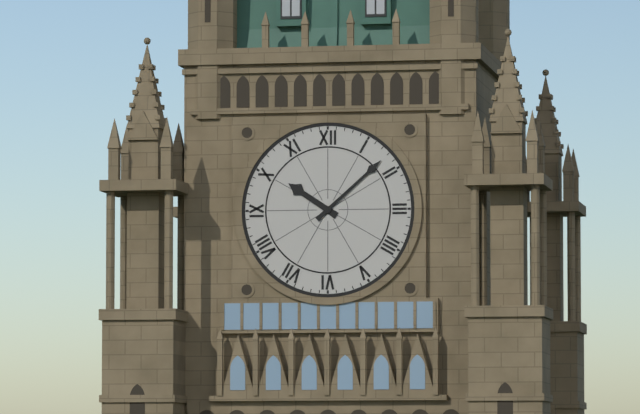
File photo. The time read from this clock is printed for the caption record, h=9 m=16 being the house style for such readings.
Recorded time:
h=10 m=8
